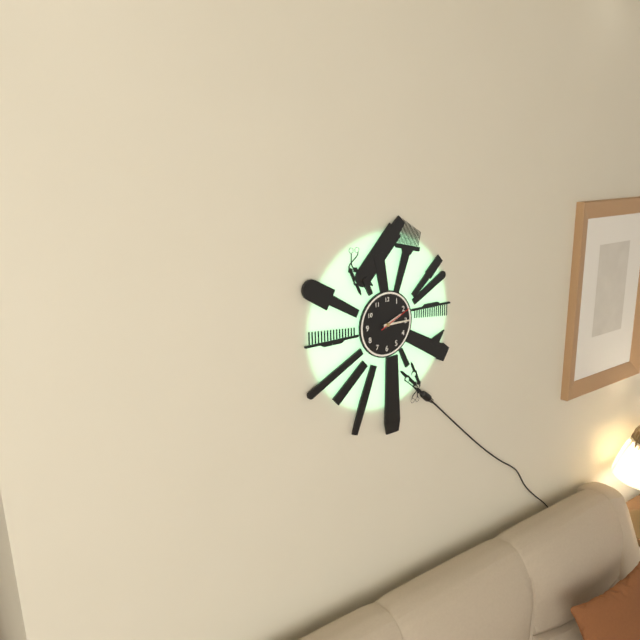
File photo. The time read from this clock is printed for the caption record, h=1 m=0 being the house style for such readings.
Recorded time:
h=2 m=15
